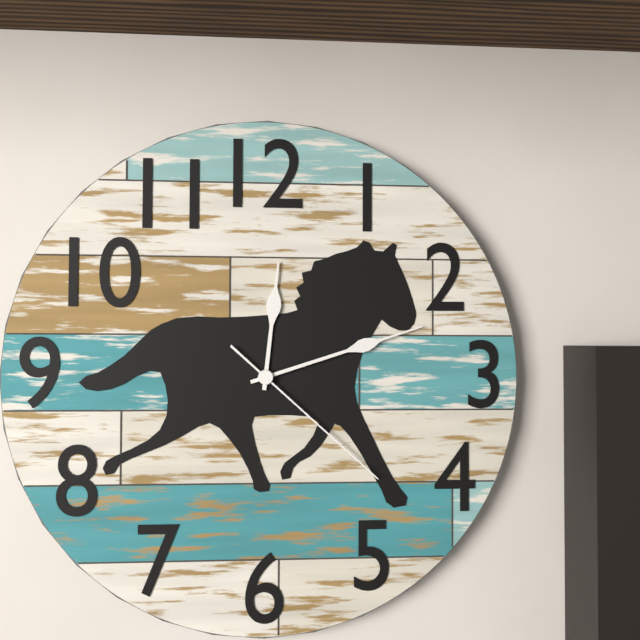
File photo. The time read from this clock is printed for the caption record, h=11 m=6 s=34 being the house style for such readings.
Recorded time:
h=12 m=12 s=22
